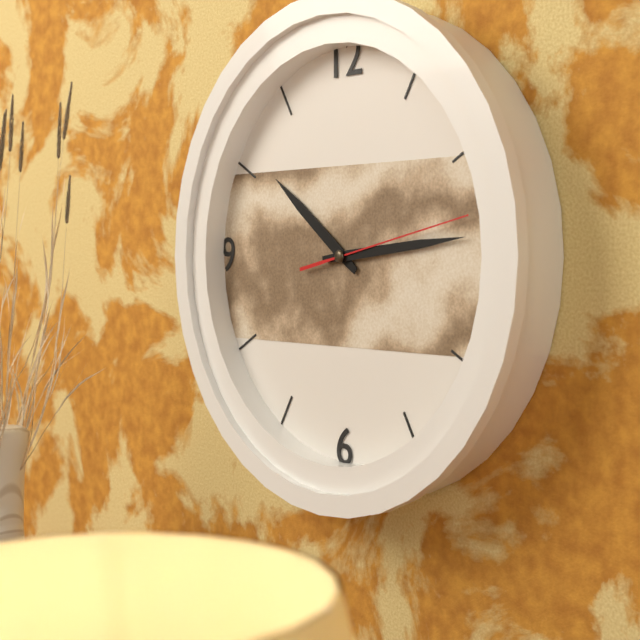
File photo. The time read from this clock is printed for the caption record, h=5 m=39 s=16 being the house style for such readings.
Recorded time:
h=10 m=14 s=13
